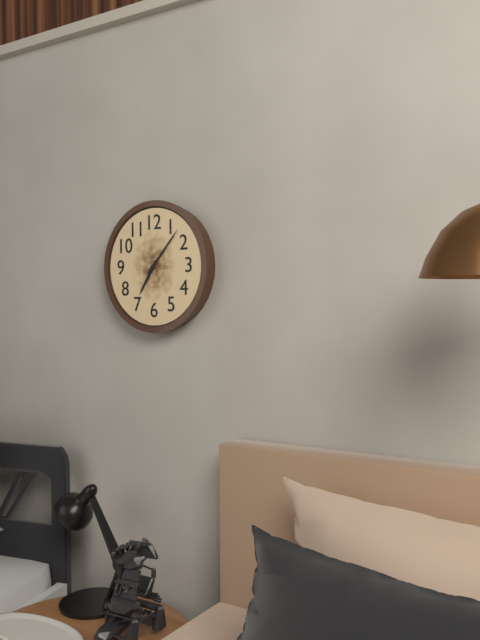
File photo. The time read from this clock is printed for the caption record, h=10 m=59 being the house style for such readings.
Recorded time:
h=7 m=7
